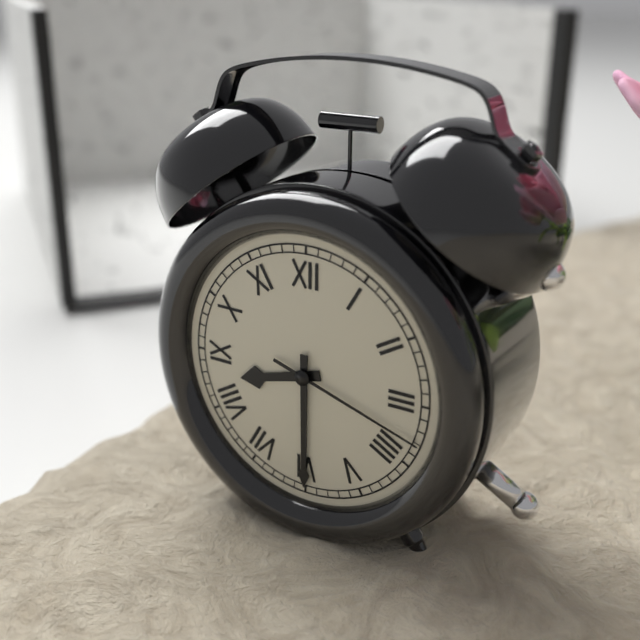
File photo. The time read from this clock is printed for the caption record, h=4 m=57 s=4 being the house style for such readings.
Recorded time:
h=8 m=30 s=18
